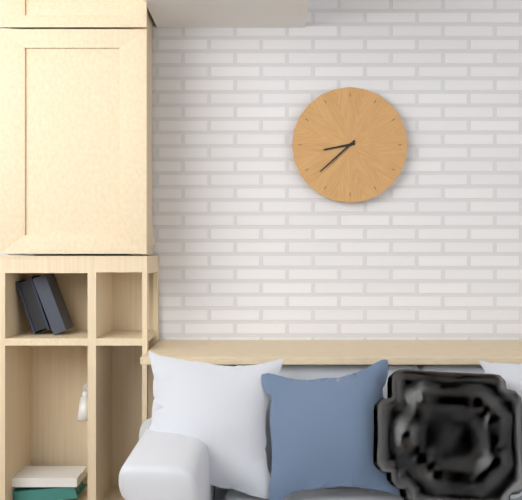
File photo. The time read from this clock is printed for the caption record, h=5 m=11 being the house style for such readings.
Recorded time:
h=8 m=38
